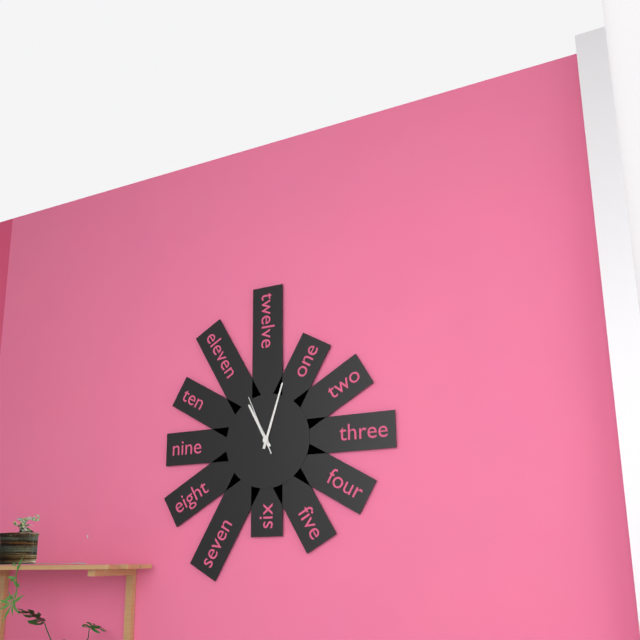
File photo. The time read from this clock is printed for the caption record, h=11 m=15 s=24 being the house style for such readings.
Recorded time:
h=11 m=3 s=56
